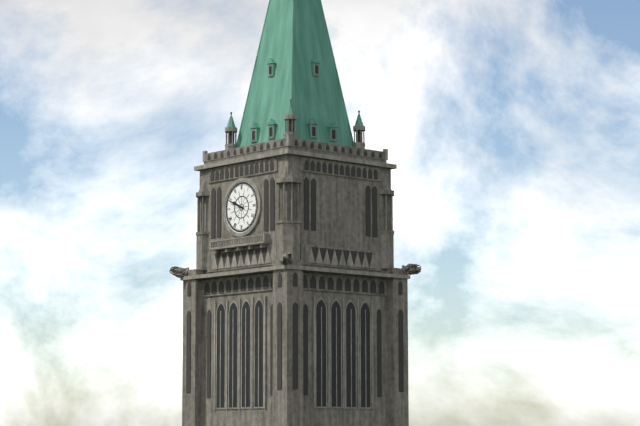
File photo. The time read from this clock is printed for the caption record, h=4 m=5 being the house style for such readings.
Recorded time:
h=9 m=49
